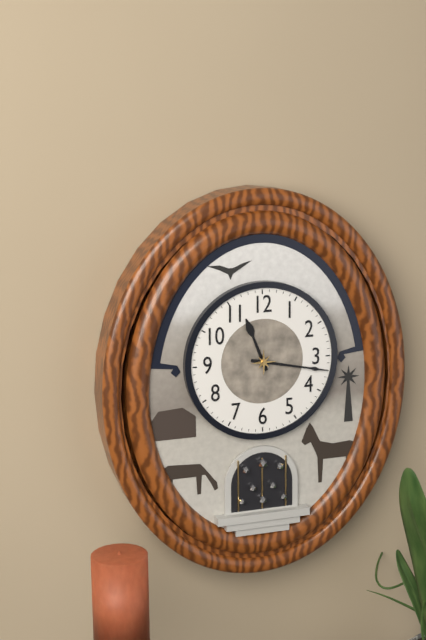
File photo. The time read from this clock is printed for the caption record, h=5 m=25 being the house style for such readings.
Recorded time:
h=11 m=17
